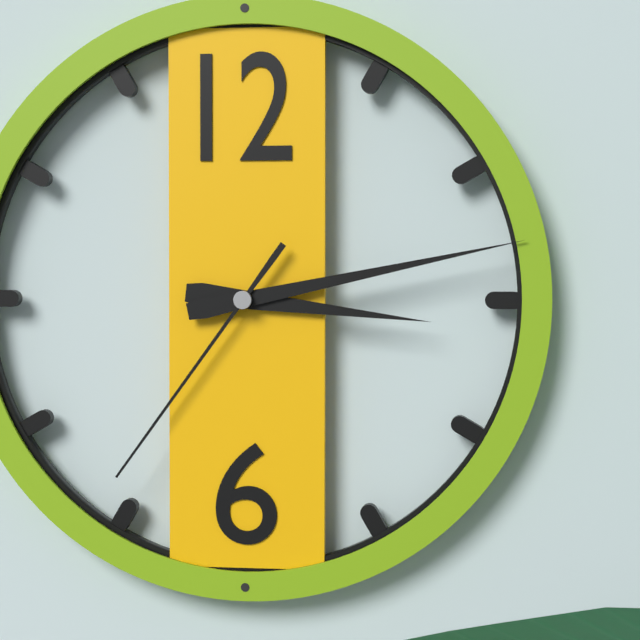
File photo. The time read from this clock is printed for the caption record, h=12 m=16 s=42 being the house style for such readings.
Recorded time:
h=3 m=13 s=36
